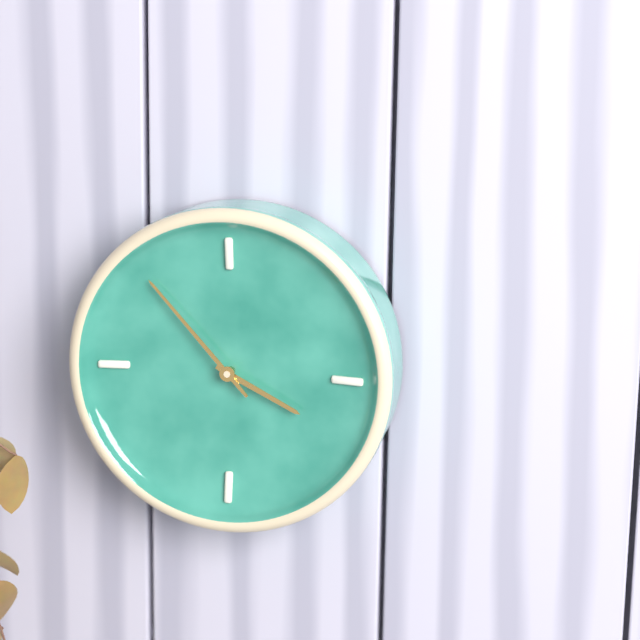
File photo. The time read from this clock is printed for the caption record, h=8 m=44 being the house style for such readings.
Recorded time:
h=3 m=53
